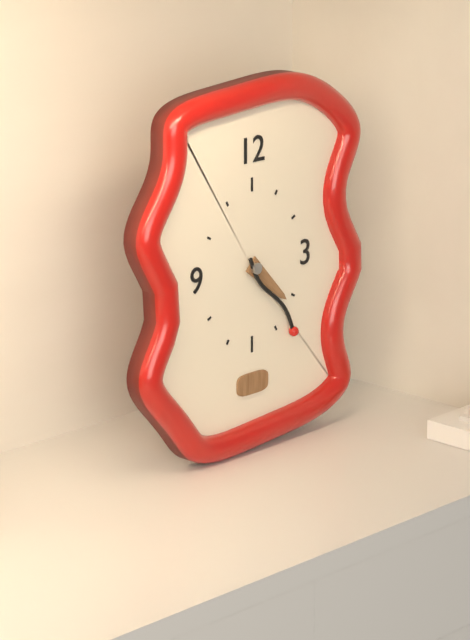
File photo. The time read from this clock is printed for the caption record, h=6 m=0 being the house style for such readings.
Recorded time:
h=4 m=24
